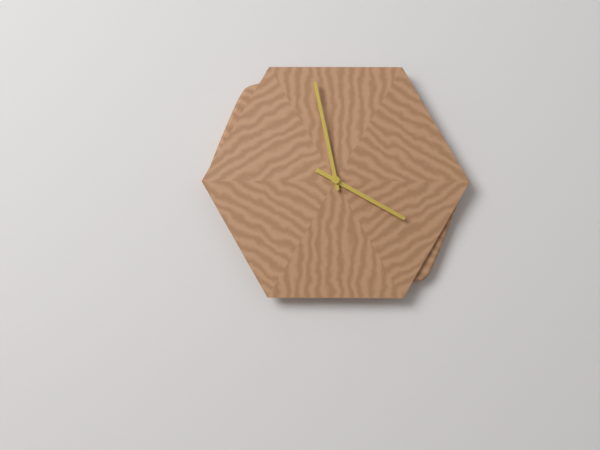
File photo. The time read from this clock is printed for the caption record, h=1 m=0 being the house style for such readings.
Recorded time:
h=3 m=58
